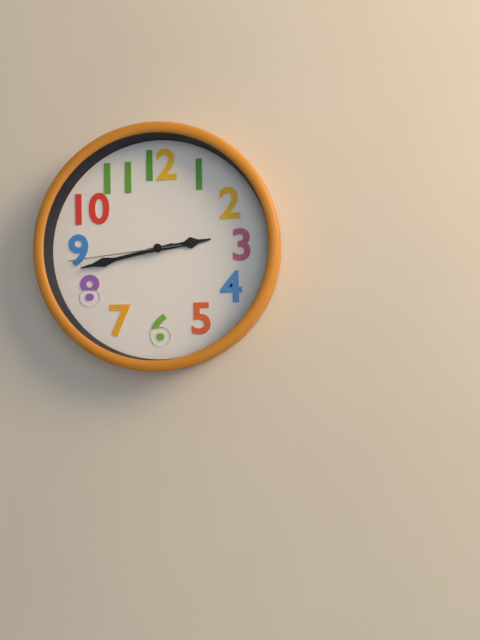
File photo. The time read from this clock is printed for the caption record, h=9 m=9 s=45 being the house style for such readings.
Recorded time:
h=2 m=43 s=44
